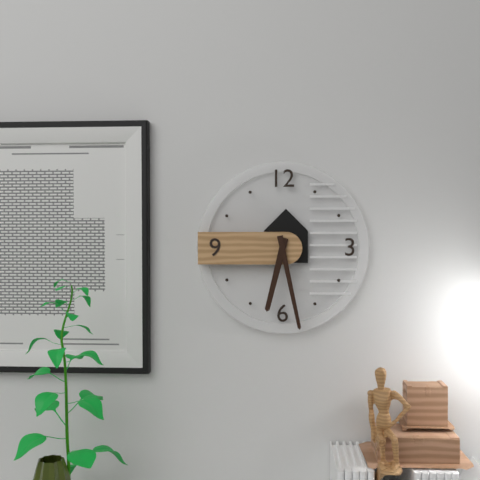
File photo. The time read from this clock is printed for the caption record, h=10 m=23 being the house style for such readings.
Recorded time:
h=6 m=28
